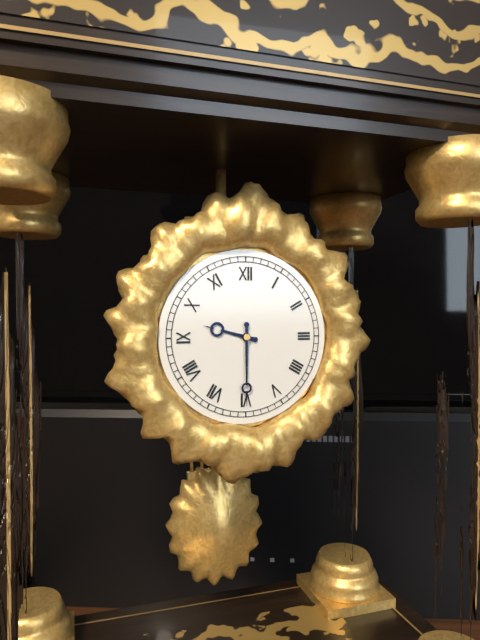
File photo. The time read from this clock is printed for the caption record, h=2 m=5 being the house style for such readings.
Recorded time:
h=9 m=30
